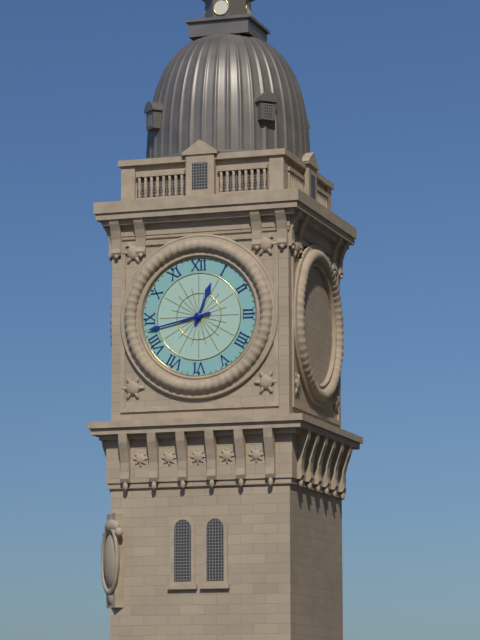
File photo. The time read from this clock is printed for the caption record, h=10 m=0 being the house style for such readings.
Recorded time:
h=12 m=43
